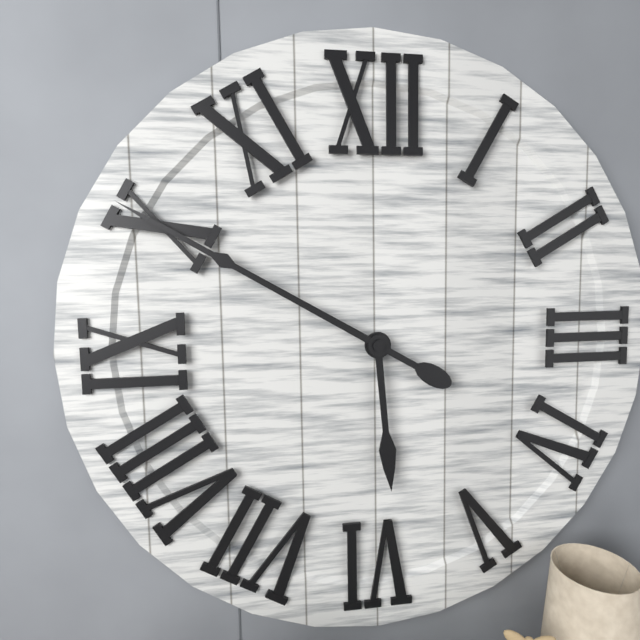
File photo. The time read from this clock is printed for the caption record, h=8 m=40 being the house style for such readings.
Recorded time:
h=5 m=50
